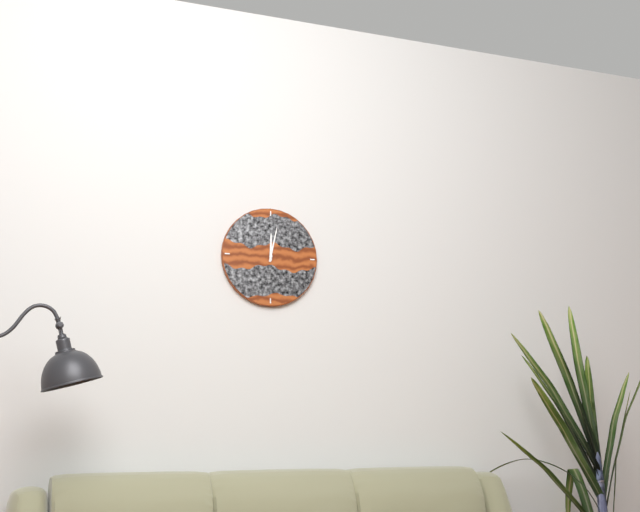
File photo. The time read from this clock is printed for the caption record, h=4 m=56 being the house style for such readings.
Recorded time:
h=12 m=2
